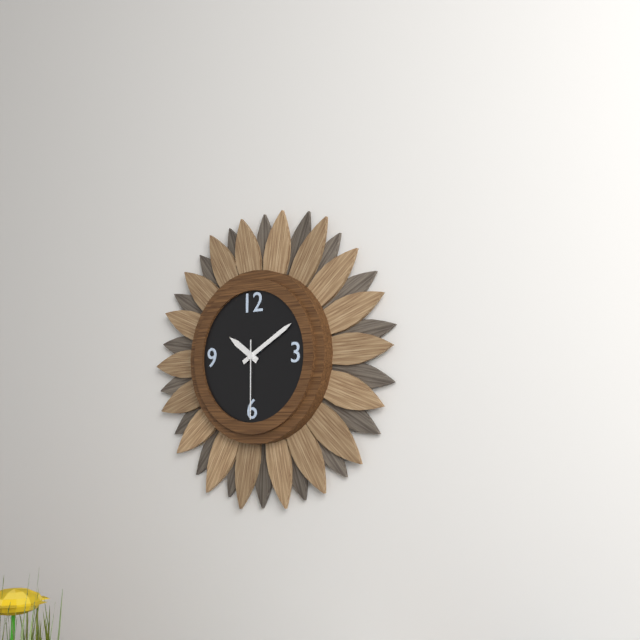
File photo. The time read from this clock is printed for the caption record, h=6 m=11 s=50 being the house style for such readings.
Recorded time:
h=10 m=10 s=30
